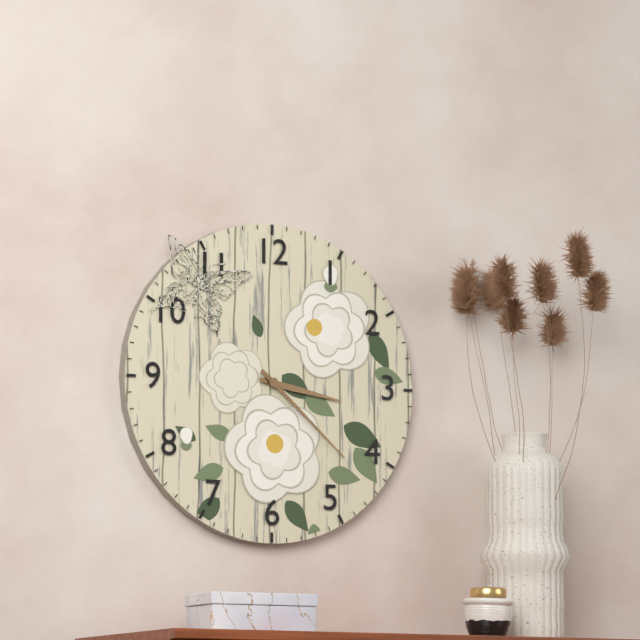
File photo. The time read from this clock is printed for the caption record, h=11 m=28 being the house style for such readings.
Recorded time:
h=3 m=22
